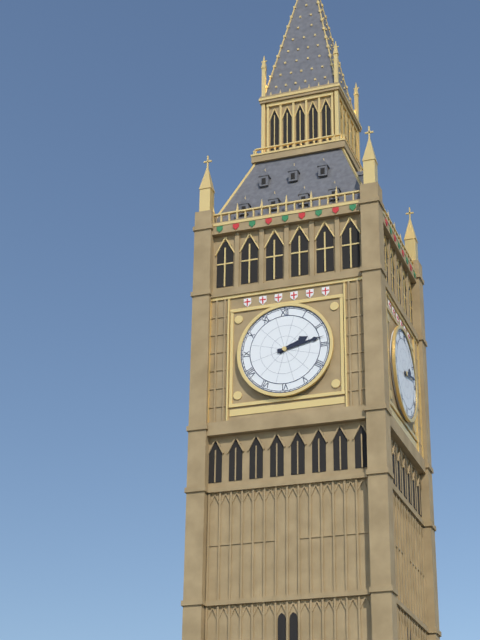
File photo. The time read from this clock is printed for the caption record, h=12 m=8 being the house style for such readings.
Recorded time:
h=2 m=13
